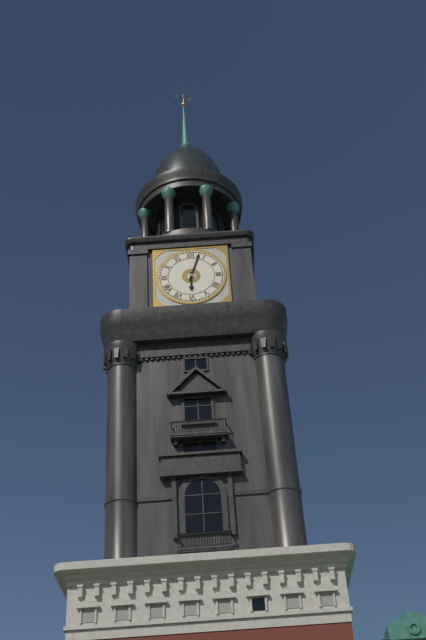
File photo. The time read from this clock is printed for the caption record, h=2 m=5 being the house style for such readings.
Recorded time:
h=6 m=3
